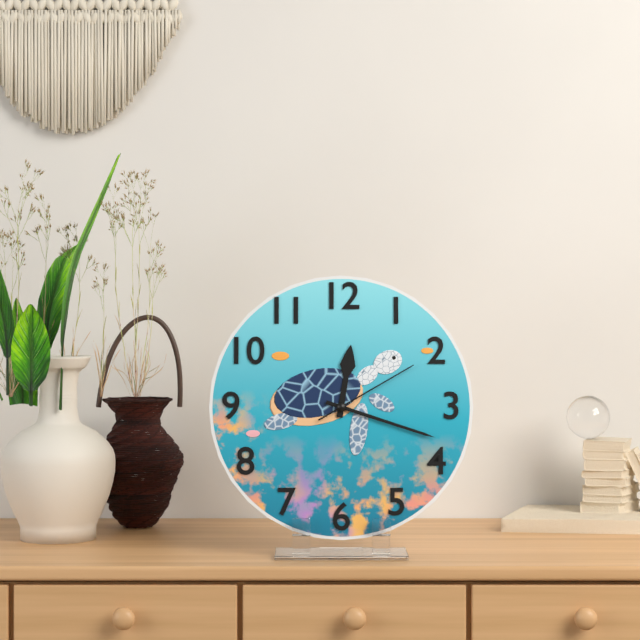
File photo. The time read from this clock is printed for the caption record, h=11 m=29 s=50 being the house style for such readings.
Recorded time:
h=12 m=18 s=10
